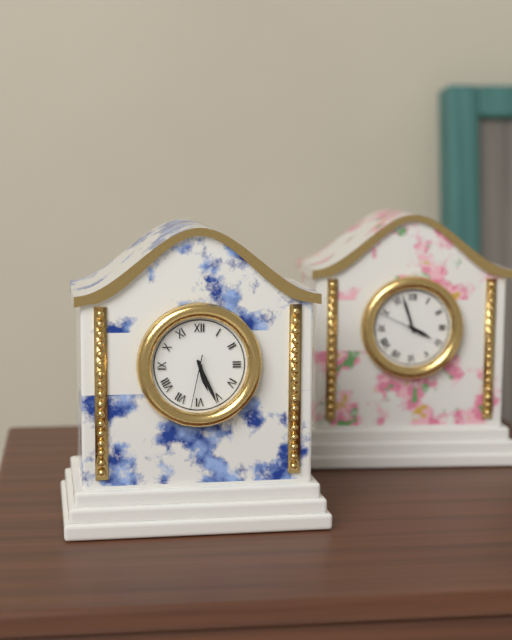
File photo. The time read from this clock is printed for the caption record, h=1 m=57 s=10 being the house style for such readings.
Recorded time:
h=5 m=26 s=32
